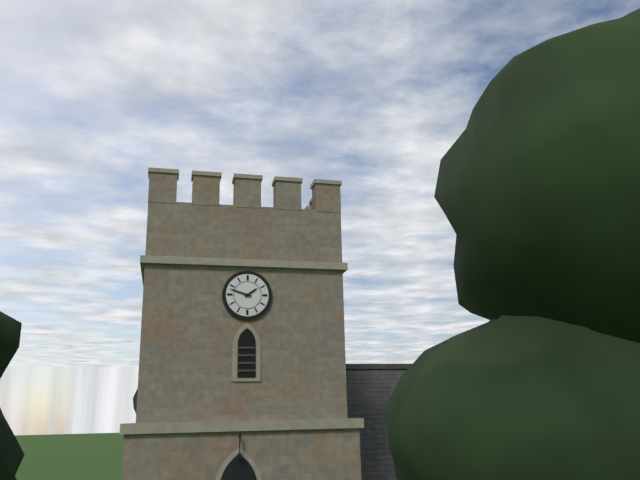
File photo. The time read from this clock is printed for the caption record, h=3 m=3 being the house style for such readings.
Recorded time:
h=1 m=48
